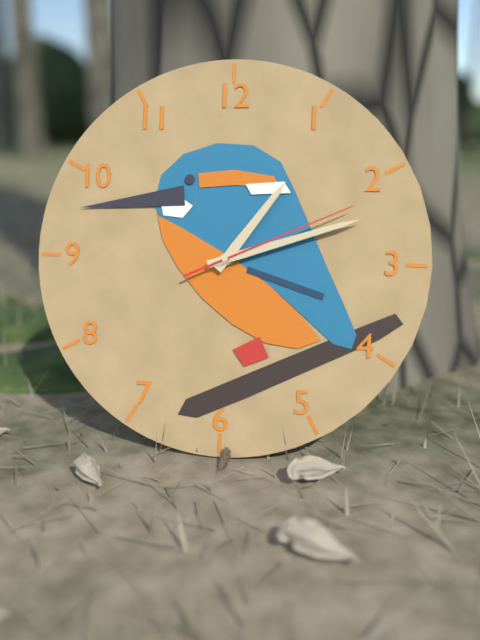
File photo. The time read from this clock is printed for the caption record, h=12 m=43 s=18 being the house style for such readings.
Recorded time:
h=1 m=12 s=11
